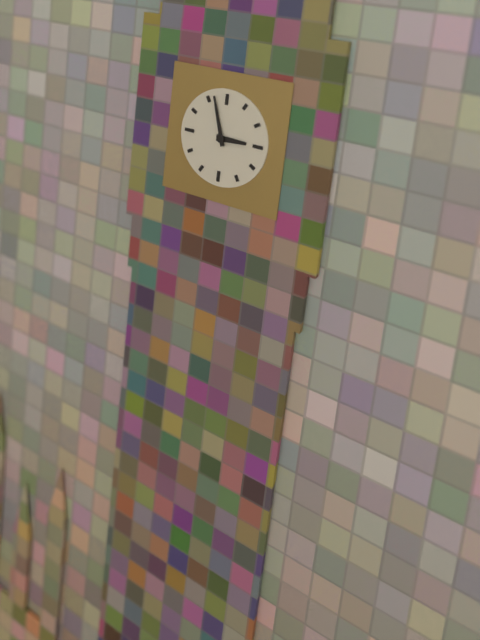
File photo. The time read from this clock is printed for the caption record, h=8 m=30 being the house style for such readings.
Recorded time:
h=2 m=57
